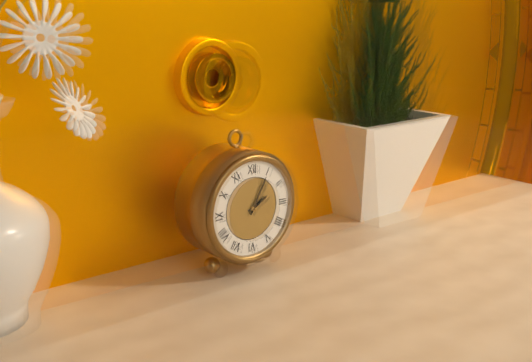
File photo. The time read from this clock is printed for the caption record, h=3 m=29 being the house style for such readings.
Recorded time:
h=2 m=5
